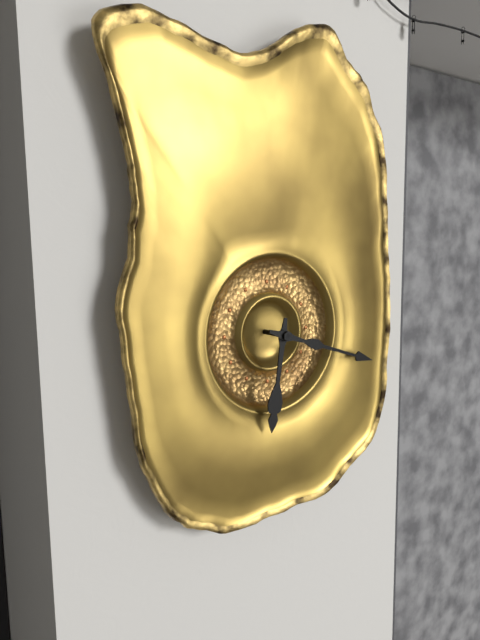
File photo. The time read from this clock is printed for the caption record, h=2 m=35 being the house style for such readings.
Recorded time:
h=6 m=18
